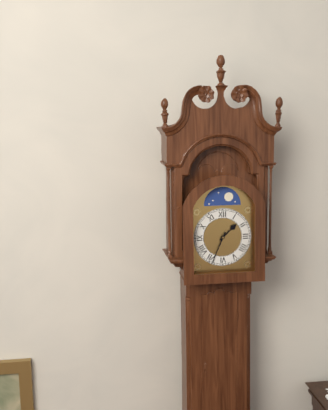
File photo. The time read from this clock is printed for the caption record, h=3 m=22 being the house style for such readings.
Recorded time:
h=1 m=34
